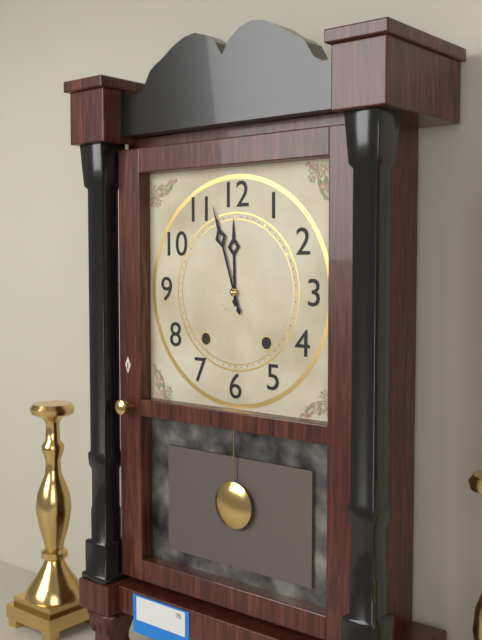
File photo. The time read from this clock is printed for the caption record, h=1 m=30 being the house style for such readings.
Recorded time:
h=11 m=57
